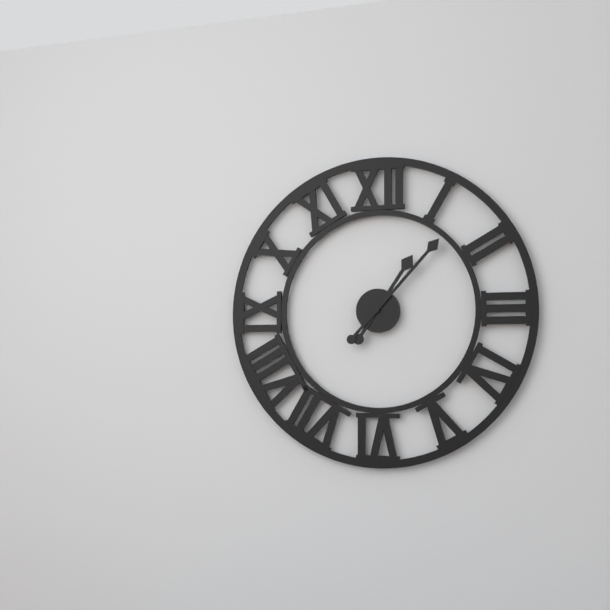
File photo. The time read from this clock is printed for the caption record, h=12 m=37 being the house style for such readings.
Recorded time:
h=1 m=7
